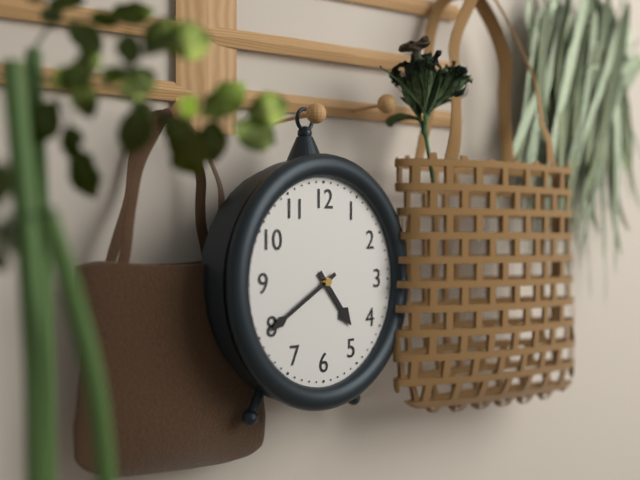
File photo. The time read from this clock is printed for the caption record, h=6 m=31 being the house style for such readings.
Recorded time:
h=4 m=40
